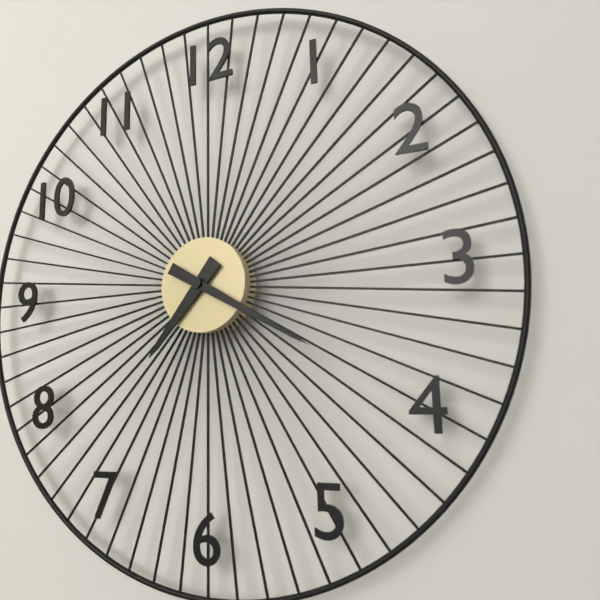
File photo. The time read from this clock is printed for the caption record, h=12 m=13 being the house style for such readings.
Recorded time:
h=7 m=20
